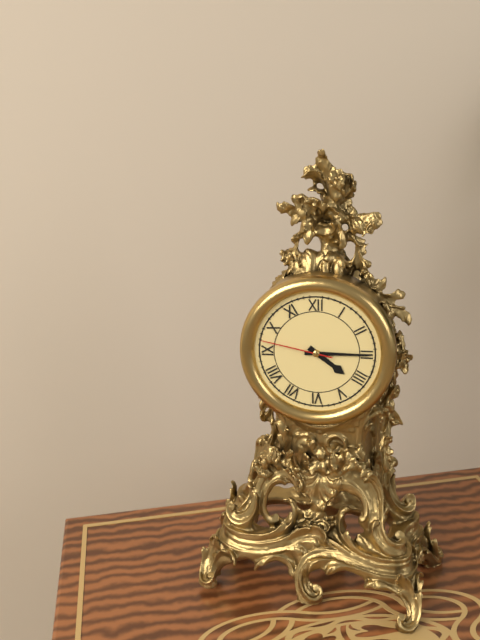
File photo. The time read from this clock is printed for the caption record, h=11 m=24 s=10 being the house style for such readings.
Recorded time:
h=4 m=15 s=47
